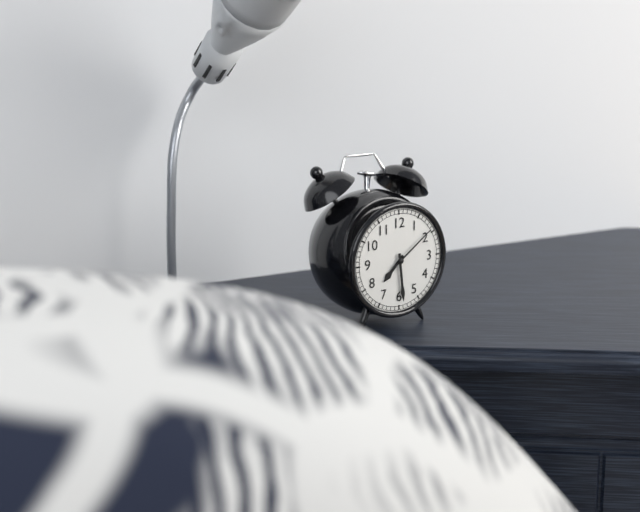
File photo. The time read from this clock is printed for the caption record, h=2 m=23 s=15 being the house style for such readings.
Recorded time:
h=7 m=29 s=9
